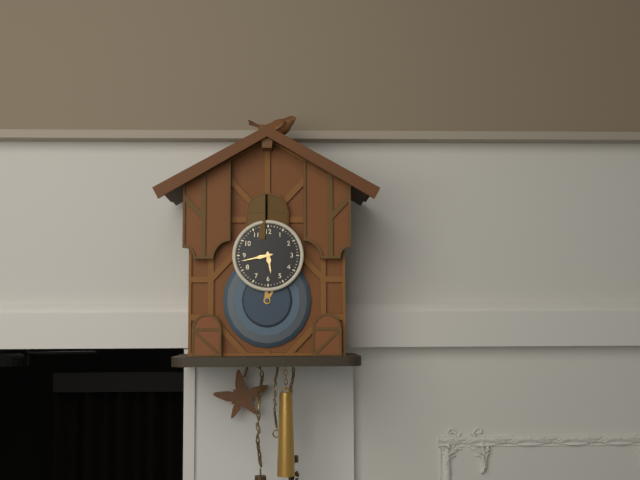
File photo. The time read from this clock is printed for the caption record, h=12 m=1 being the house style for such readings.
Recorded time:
h=5 m=43
